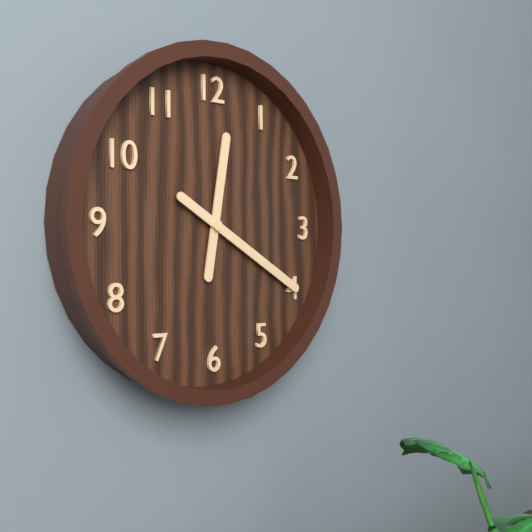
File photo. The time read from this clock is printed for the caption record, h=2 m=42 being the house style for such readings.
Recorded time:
h=12 m=20
